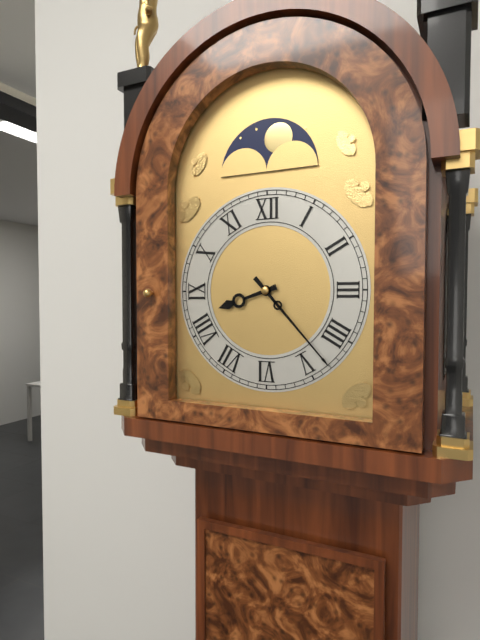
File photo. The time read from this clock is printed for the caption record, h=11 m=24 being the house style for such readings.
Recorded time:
h=8 m=23
